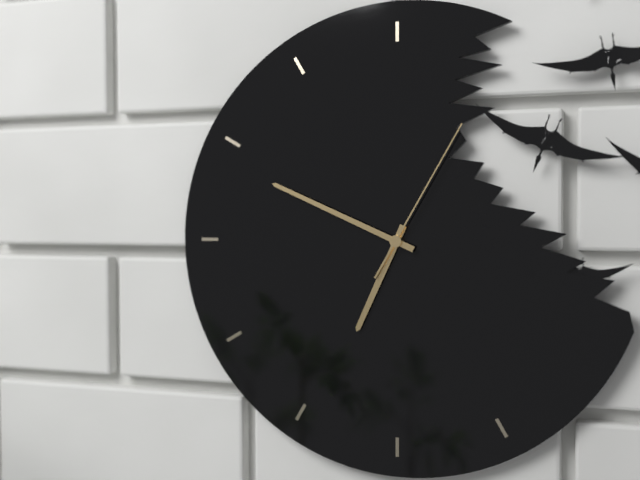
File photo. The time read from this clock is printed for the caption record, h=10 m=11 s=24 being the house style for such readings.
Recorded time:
h=6 m=49 s=5
